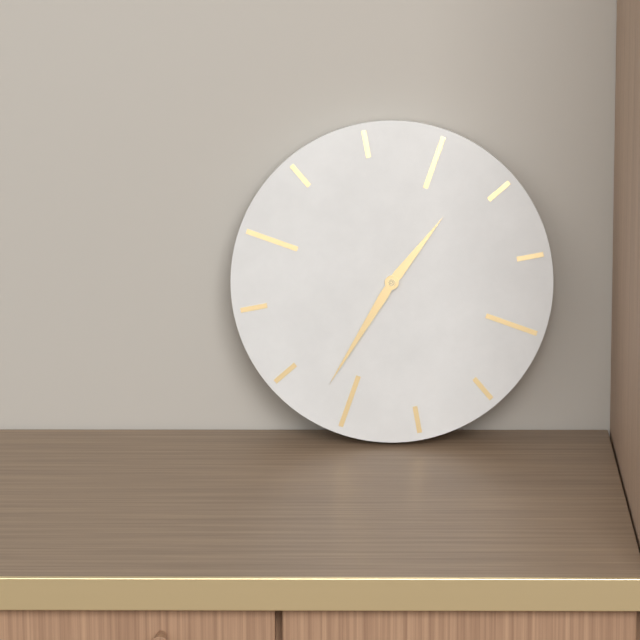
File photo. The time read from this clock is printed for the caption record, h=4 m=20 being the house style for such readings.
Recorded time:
h=1 m=37
